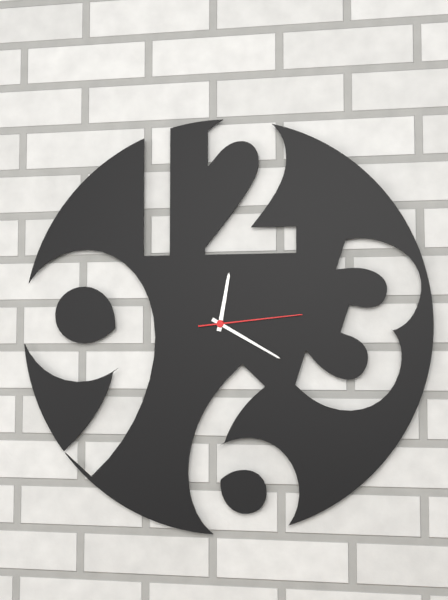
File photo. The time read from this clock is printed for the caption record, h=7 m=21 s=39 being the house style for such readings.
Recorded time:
h=12 m=20 s=14
